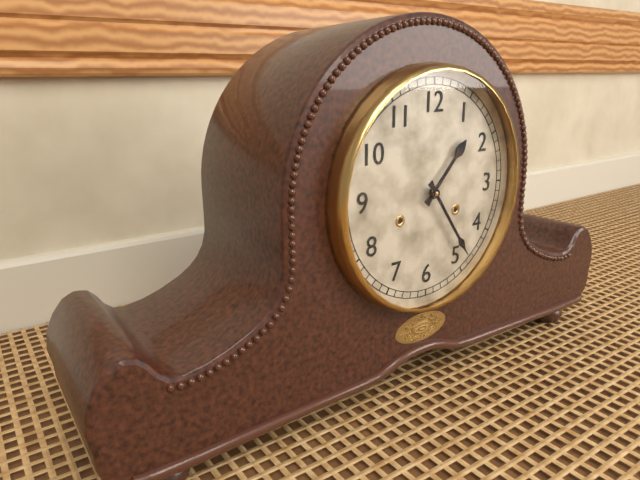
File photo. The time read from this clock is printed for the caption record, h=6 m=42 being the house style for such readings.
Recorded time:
h=1 m=24
